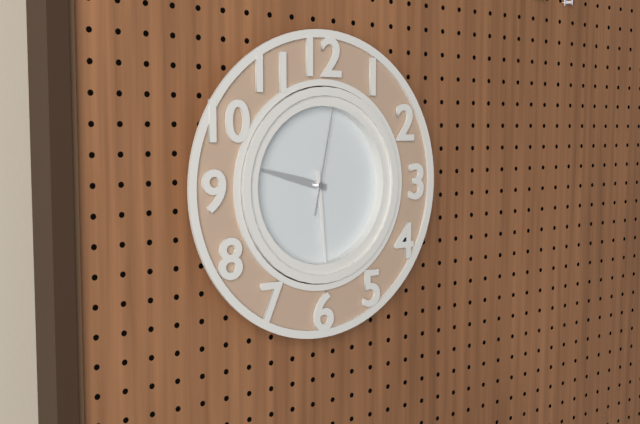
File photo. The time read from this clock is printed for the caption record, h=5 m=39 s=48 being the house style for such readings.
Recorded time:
h=9 m=29 s=2
